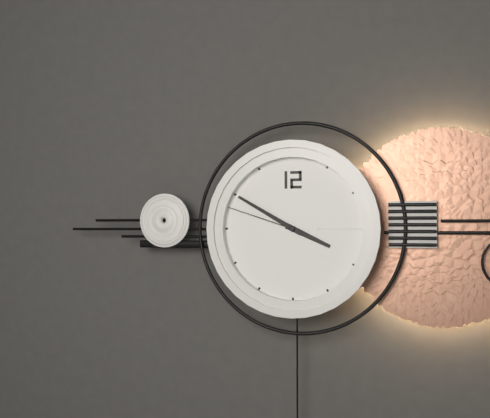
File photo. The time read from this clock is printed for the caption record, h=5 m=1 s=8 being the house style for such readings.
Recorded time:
h=3 m=50 s=48
